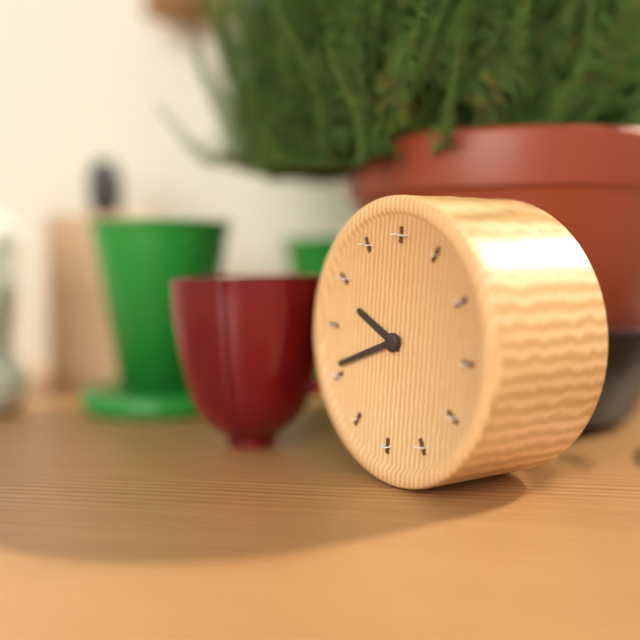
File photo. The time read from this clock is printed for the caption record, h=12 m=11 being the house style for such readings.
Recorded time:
h=9 m=41
